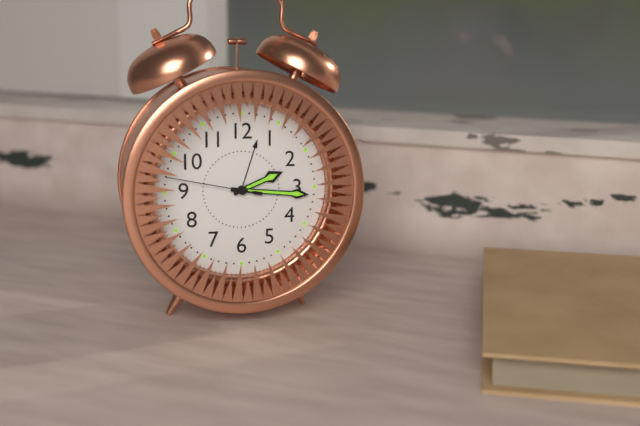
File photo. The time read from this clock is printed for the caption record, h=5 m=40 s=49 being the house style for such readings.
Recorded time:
h=2 m=16 s=47
